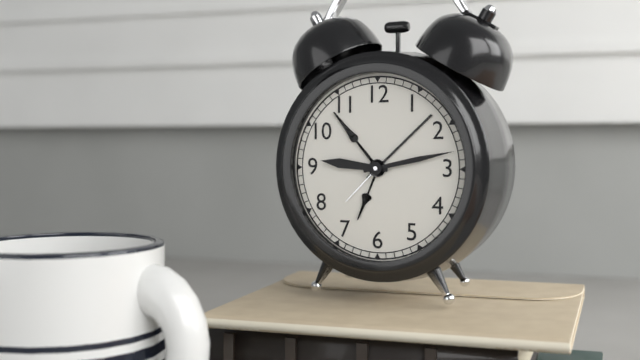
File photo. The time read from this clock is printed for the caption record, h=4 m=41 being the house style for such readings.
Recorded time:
h=9 m=13
